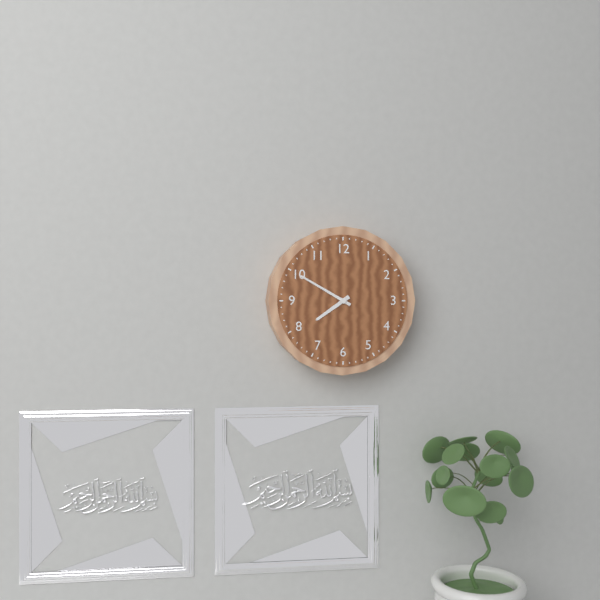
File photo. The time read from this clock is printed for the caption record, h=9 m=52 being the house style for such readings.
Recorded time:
h=7 m=50
